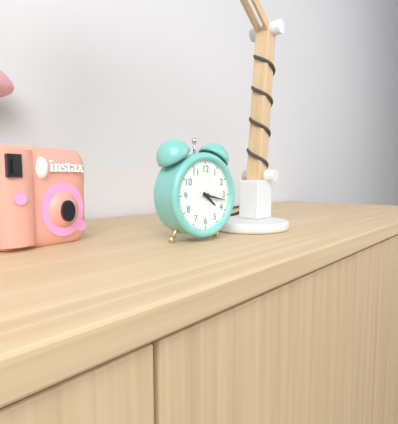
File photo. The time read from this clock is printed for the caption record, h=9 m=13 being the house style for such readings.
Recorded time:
h=4 m=17
